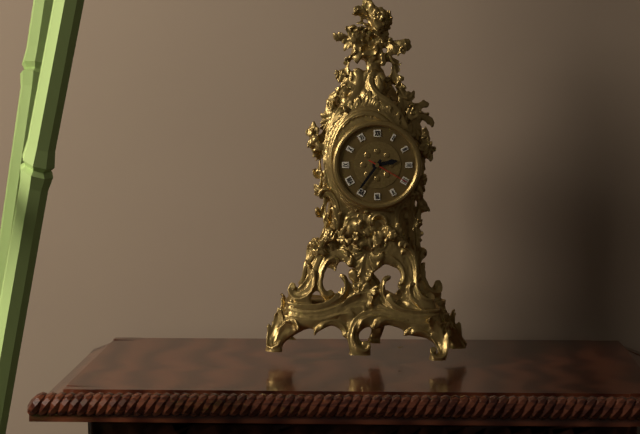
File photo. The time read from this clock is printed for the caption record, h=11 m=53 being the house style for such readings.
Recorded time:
h=2 m=36
